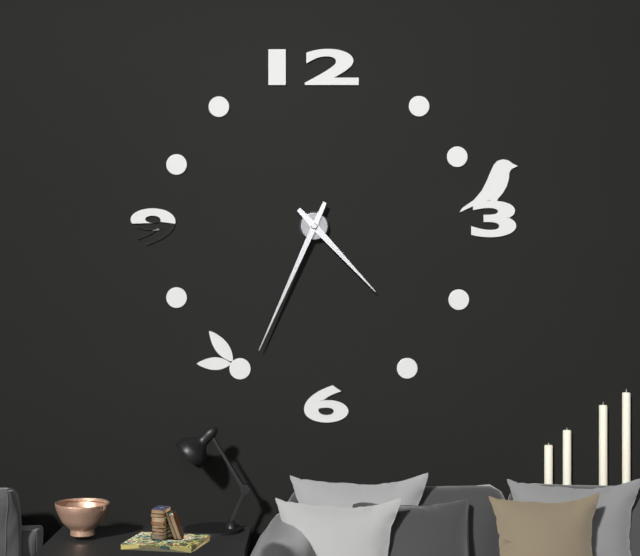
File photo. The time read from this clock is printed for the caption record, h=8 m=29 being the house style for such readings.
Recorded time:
h=4 m=34
